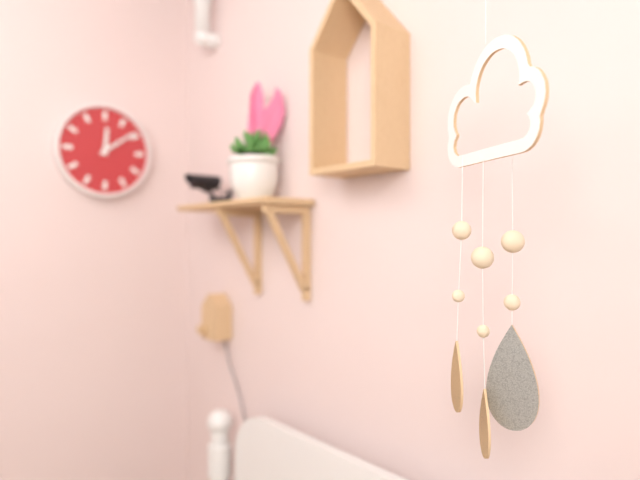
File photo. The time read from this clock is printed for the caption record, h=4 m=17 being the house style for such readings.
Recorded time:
h=12 m=9
